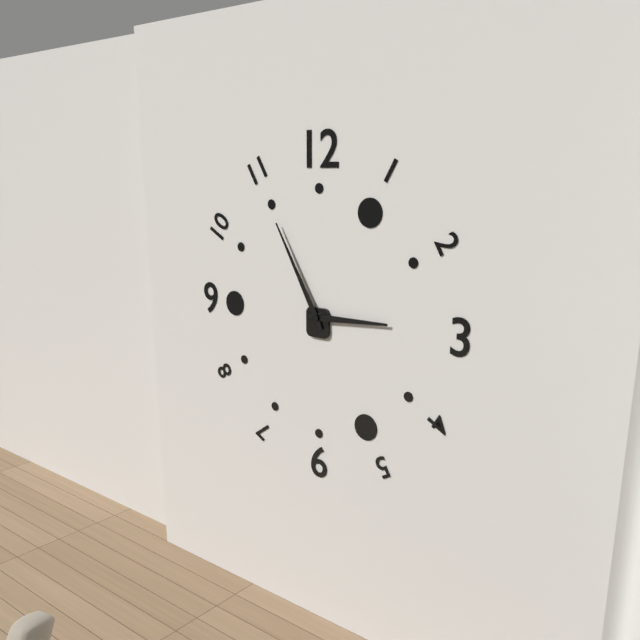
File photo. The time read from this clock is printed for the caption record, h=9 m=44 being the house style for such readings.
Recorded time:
h=2 m=55
